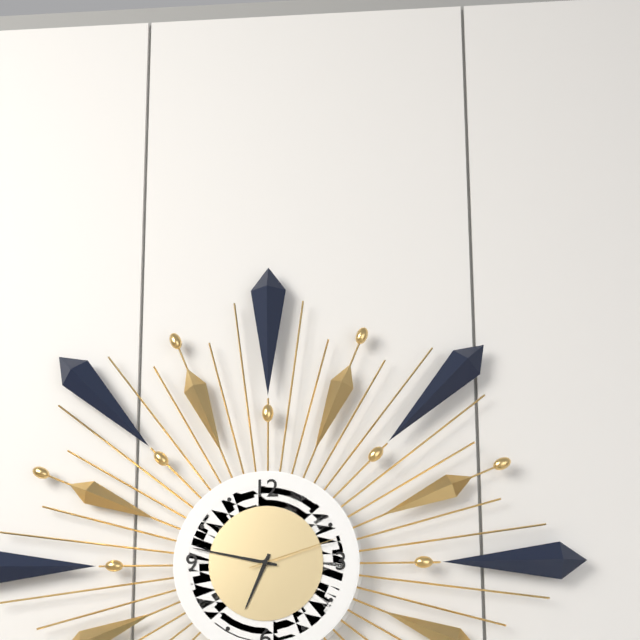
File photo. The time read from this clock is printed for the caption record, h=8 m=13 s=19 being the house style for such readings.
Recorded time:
h=6 m=47 s=12
